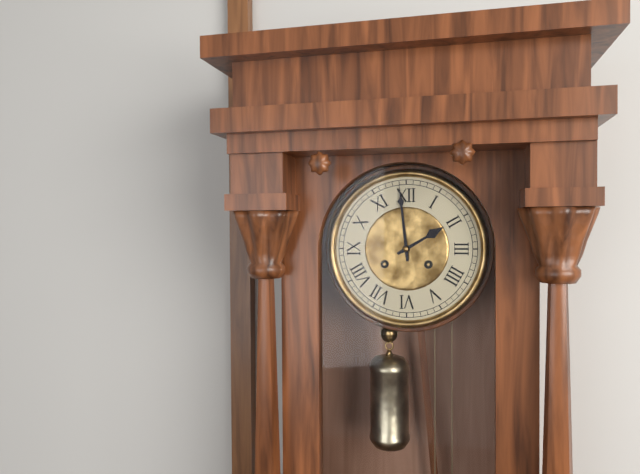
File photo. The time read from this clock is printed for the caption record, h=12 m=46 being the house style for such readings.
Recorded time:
h=1 m=59
